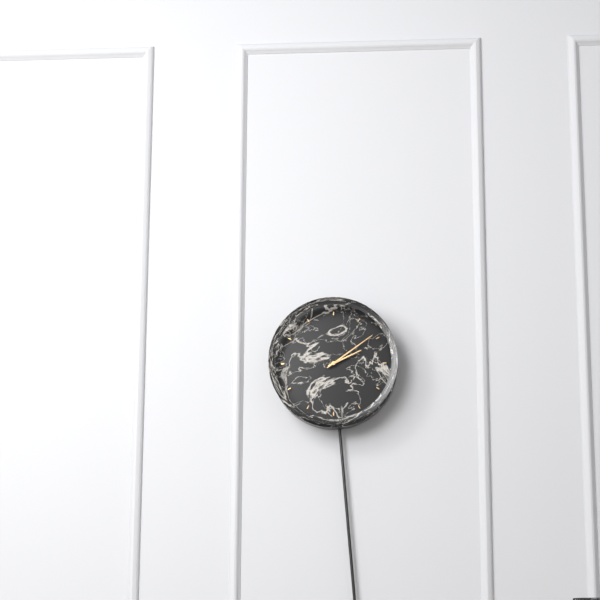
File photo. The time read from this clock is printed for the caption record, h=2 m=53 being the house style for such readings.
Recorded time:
h=2 m=9
